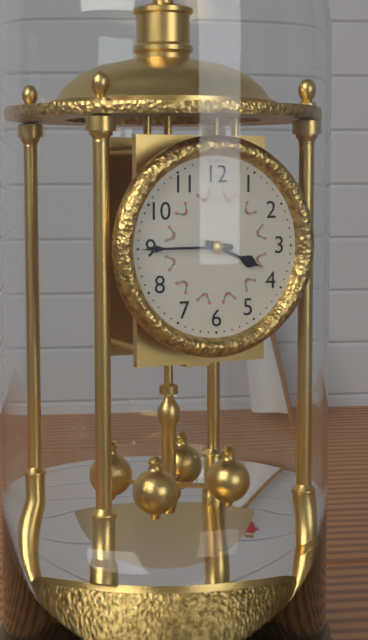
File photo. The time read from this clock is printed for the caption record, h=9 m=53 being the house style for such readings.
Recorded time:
h=3 m=45
